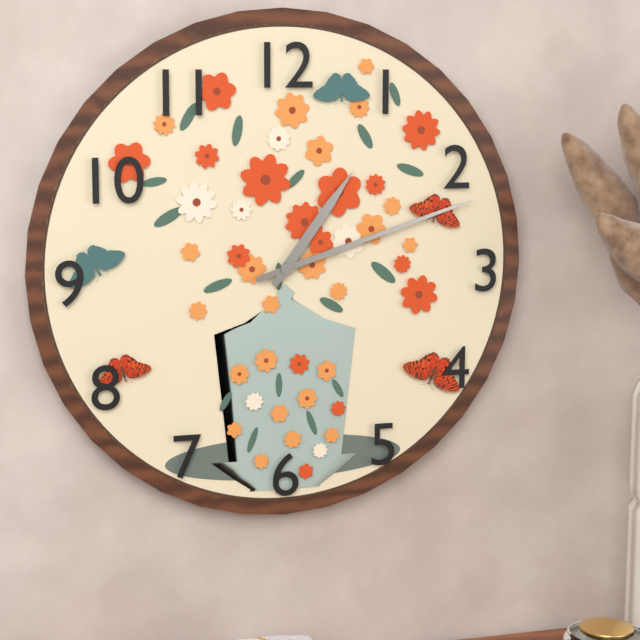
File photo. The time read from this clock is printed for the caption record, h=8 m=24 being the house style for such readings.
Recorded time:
h=1 m=12
